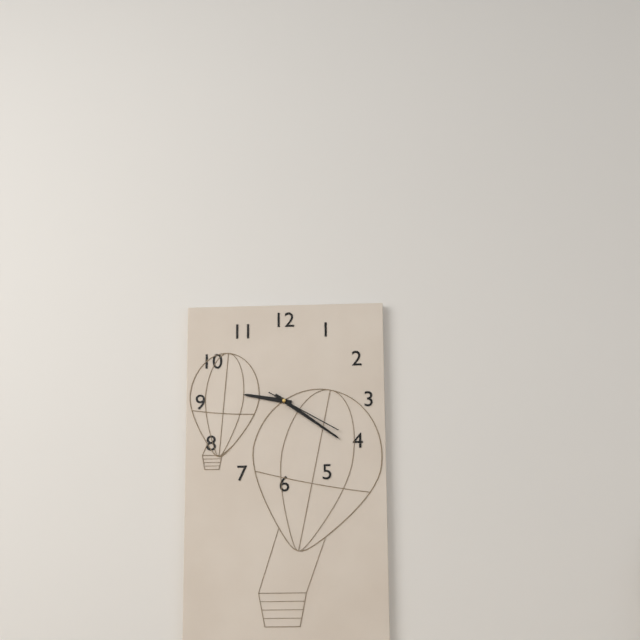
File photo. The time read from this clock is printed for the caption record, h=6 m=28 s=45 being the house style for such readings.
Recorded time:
h=9 m=21 s=20
